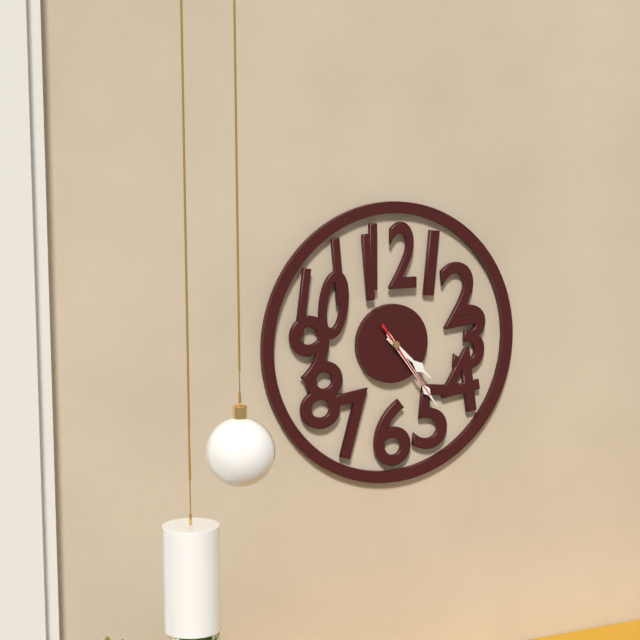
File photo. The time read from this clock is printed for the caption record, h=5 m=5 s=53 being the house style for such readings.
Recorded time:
h=4 m=24 s=24
